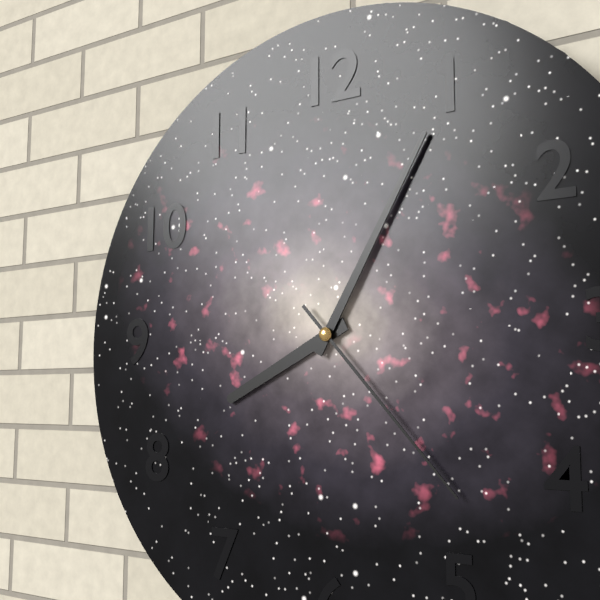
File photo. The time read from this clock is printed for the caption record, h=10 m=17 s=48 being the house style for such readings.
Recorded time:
h=8 m=5 s=23
